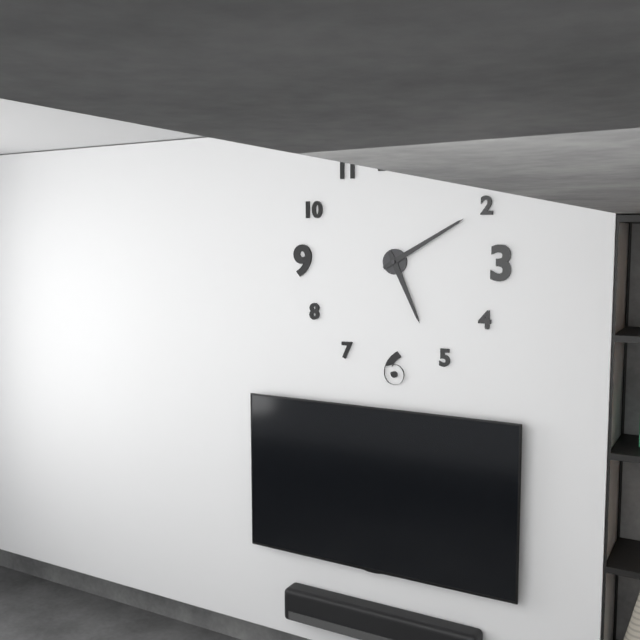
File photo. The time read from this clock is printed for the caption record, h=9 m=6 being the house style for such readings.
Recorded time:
h=5 m=10
